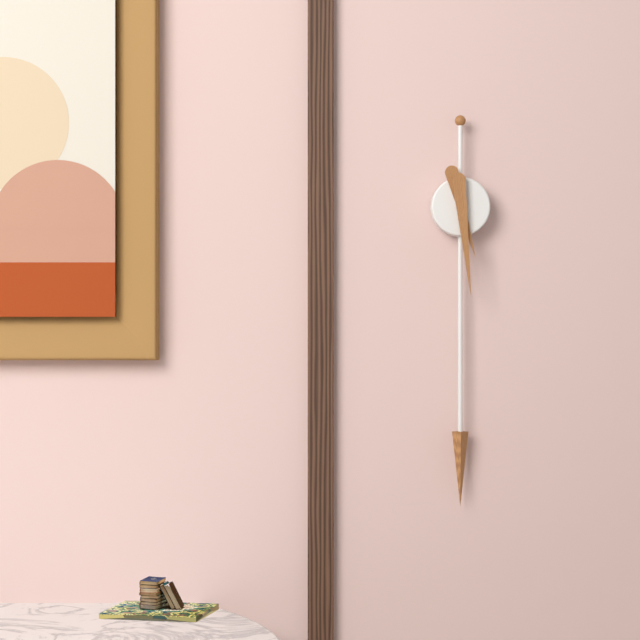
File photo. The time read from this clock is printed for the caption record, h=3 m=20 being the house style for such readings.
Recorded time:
h=5 m=29
